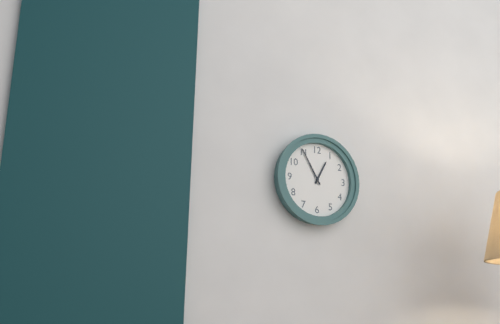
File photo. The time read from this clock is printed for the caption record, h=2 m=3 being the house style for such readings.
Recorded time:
h=12 m=55
